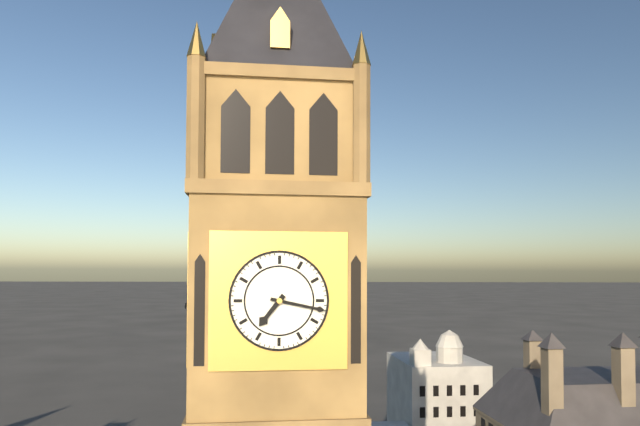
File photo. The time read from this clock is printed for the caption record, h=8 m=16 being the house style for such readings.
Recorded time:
h=7 m=17
